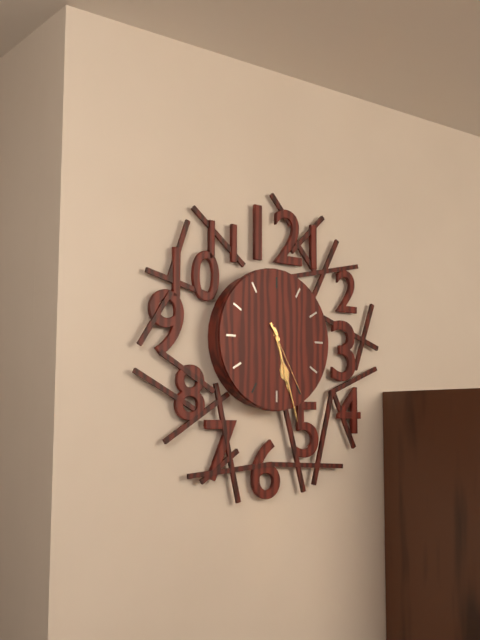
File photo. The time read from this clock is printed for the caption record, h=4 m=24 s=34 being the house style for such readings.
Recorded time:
h=5 m=27 s=25
